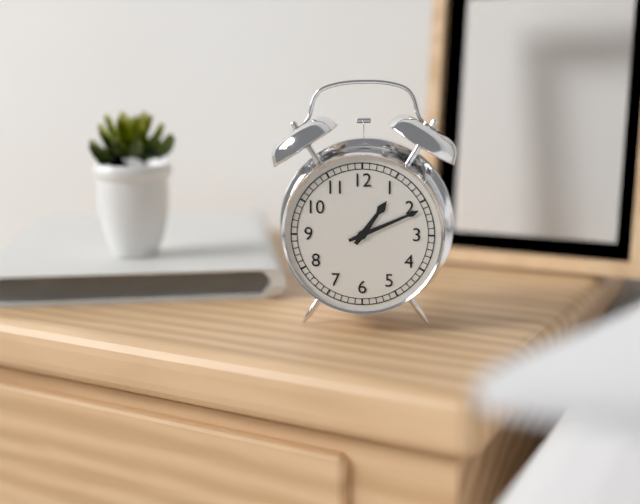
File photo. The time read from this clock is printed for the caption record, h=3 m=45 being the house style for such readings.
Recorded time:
h=1 m=11
